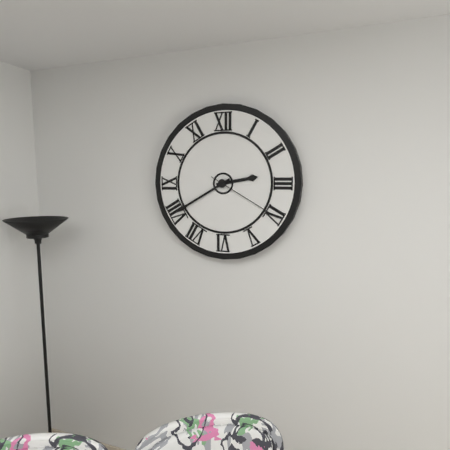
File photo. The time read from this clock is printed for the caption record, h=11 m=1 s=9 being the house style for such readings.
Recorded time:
h=2 m=40 s=20
